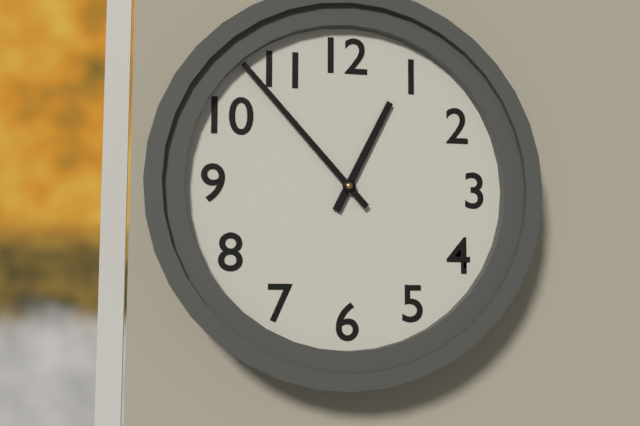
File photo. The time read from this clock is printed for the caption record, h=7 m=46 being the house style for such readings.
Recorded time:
h=12 m=53
